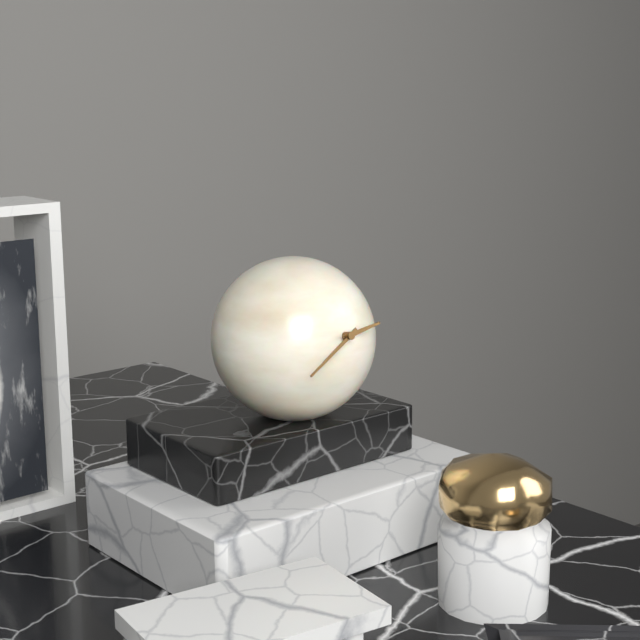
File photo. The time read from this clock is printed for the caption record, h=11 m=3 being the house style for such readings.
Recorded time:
h=2 m=40
